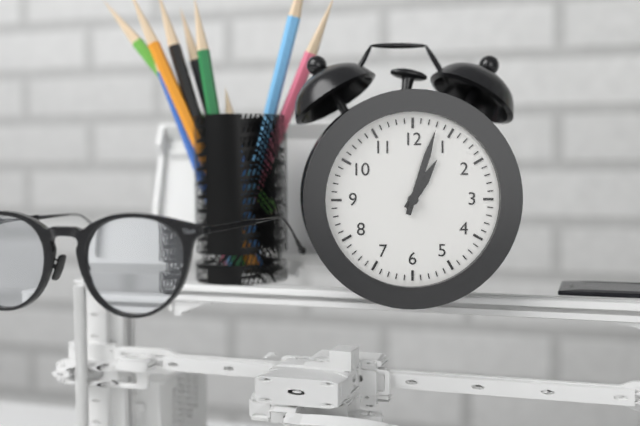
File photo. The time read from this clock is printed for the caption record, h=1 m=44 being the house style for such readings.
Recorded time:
h=1 m=3
